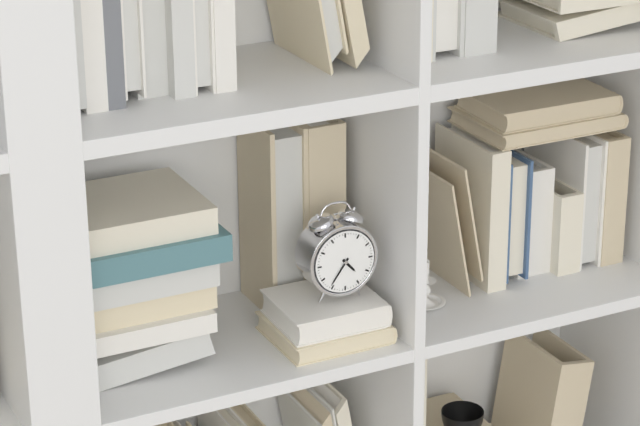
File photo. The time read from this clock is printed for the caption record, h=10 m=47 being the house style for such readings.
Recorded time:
h=4 m=36
